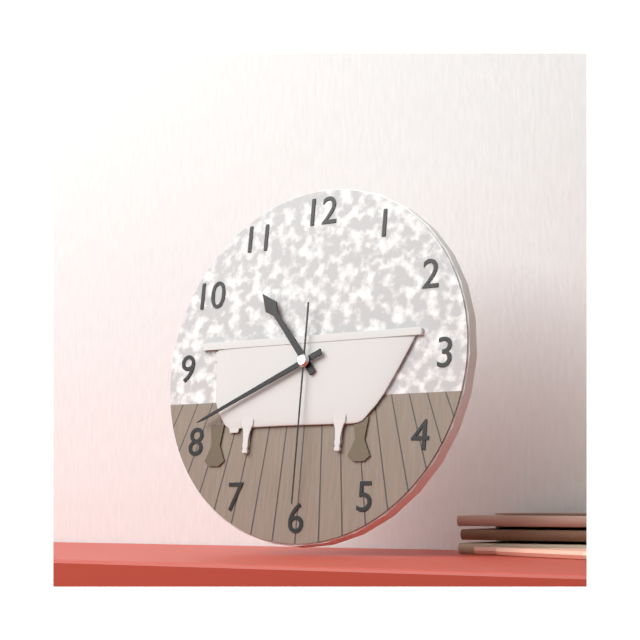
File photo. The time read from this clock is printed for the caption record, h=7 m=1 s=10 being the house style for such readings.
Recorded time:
h=10 m=41 s=30
